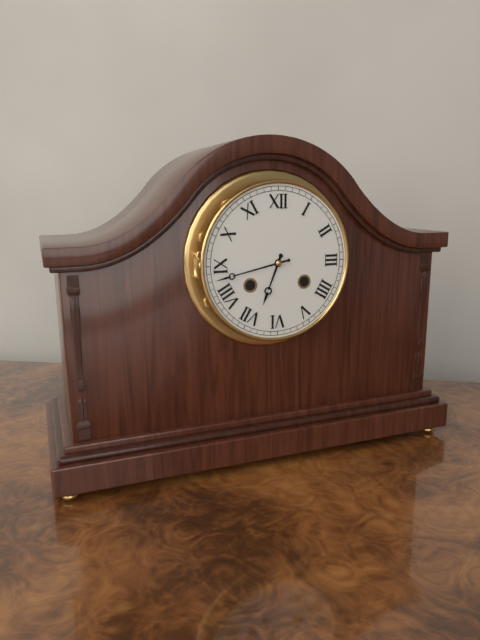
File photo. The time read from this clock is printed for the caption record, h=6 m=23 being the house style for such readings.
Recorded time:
h=6 m=43
